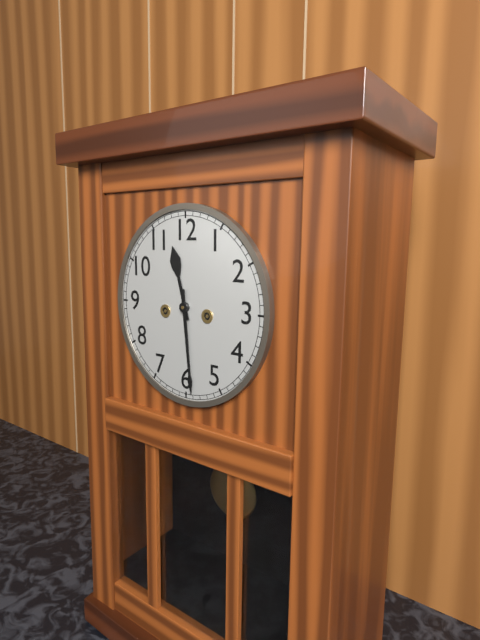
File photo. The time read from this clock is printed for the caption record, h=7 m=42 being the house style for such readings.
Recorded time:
h=11 m=29
